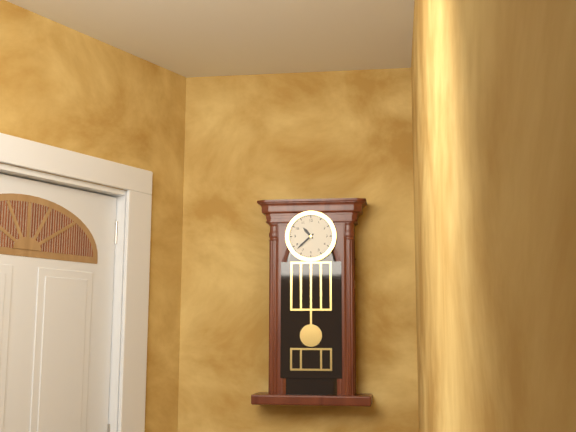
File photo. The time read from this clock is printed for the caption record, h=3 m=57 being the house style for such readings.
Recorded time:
h=10 m=38
